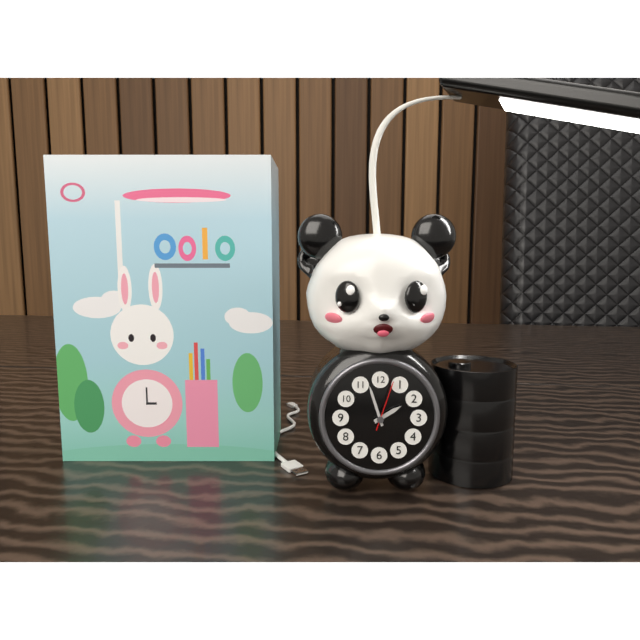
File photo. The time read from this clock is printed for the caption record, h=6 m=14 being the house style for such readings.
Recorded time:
h=1 m=57
